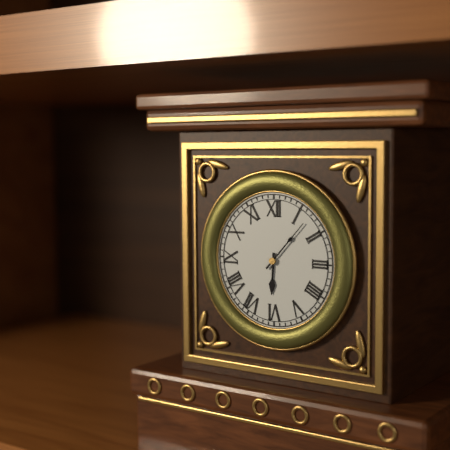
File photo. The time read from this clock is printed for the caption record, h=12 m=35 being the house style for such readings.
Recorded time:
h=6 m=7
